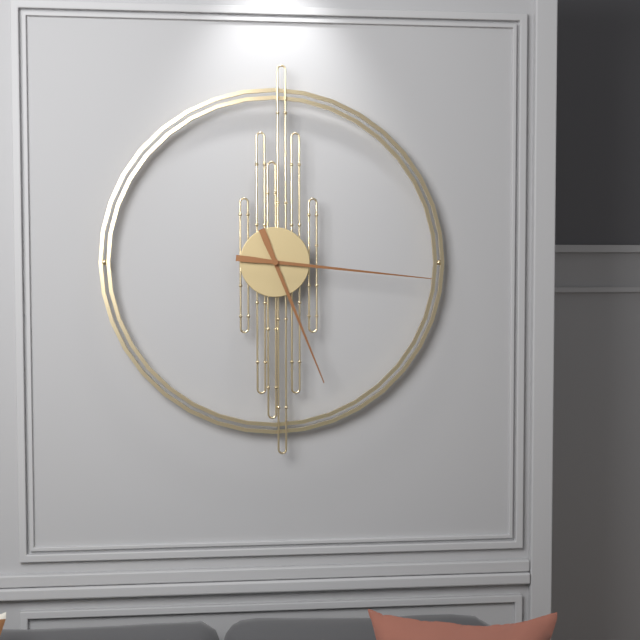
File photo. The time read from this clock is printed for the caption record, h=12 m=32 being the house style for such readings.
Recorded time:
h=5 m=16
